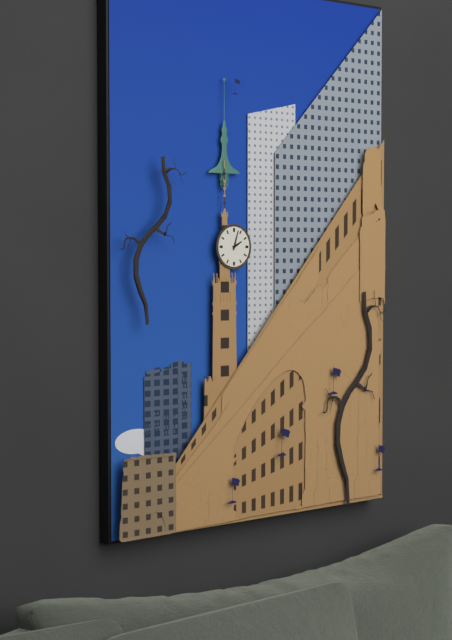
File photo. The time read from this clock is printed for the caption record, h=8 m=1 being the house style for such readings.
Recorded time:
h=2 m=3
